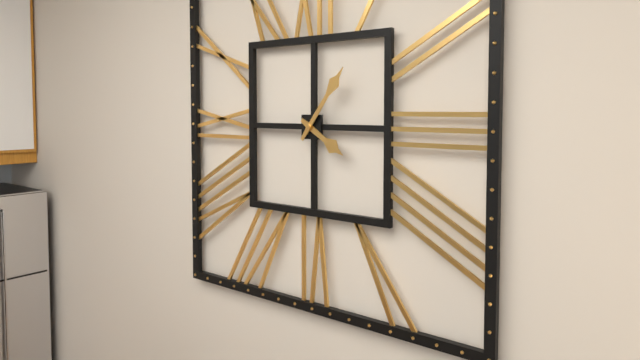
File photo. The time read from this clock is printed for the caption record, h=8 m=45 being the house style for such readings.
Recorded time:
h=4 m=6
